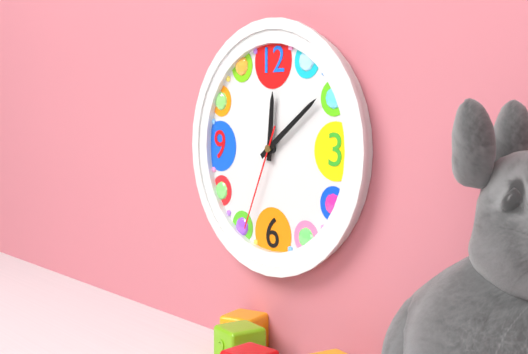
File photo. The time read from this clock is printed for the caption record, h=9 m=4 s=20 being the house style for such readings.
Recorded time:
h=12 m=9 s=34
